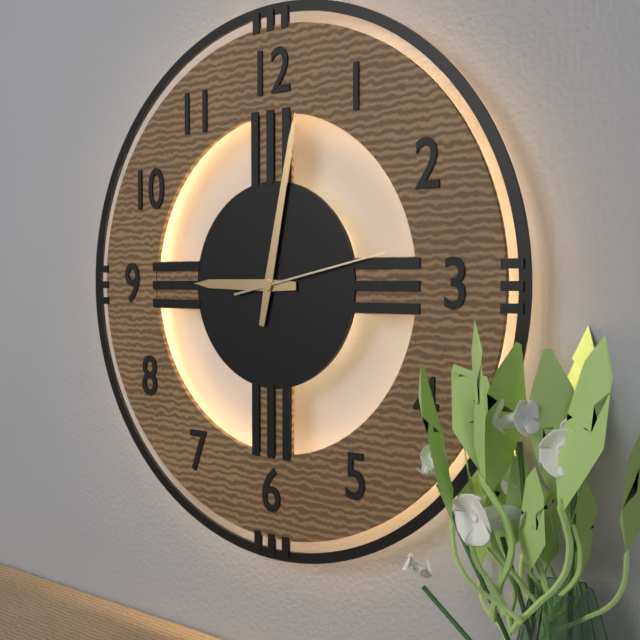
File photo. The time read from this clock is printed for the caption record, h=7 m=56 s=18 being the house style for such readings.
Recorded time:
h=9 m=2 s=13
